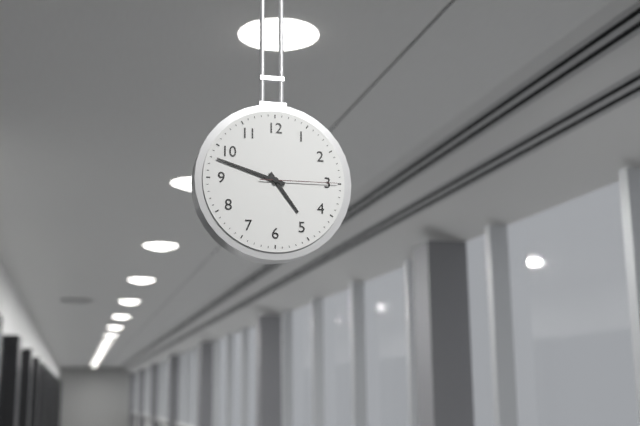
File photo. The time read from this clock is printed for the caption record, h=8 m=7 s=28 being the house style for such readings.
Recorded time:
h=4 m=48 s=15
